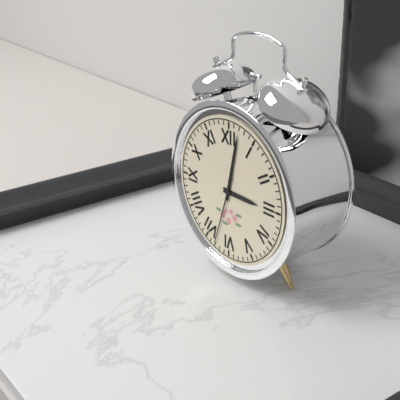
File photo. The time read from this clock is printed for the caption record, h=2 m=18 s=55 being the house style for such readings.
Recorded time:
h=3 m=2 s=33
